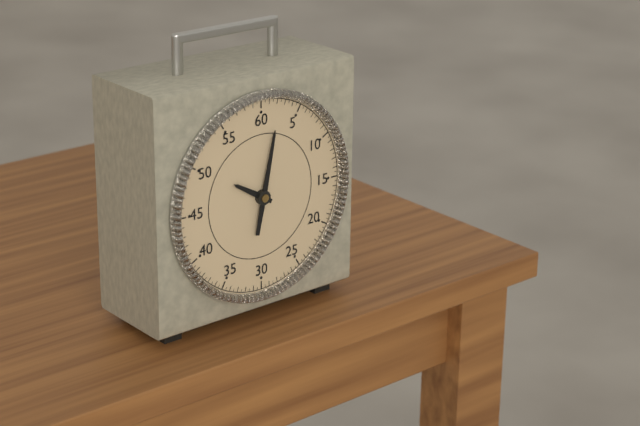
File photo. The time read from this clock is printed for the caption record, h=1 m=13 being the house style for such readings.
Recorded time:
h=10 m=2
